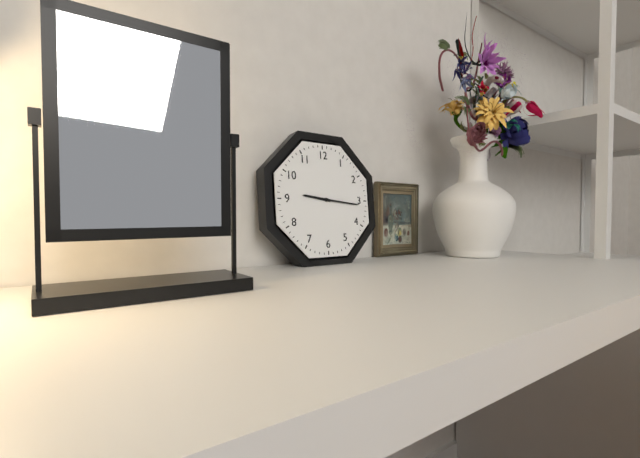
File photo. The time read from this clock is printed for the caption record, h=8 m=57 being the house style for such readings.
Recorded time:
h=9 m=16
